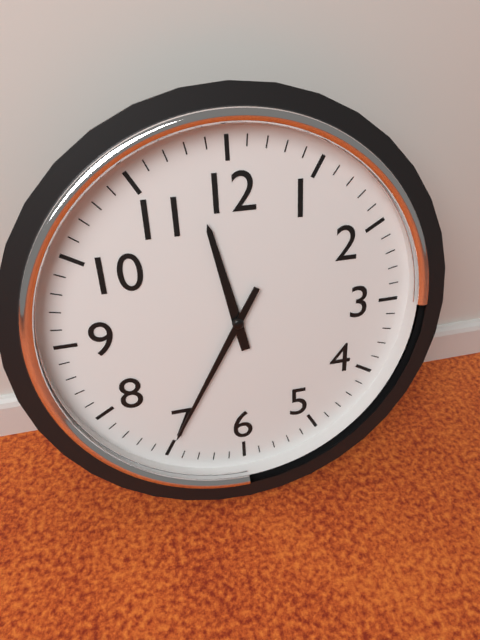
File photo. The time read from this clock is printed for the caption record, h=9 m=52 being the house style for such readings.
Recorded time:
h=11 m=35
